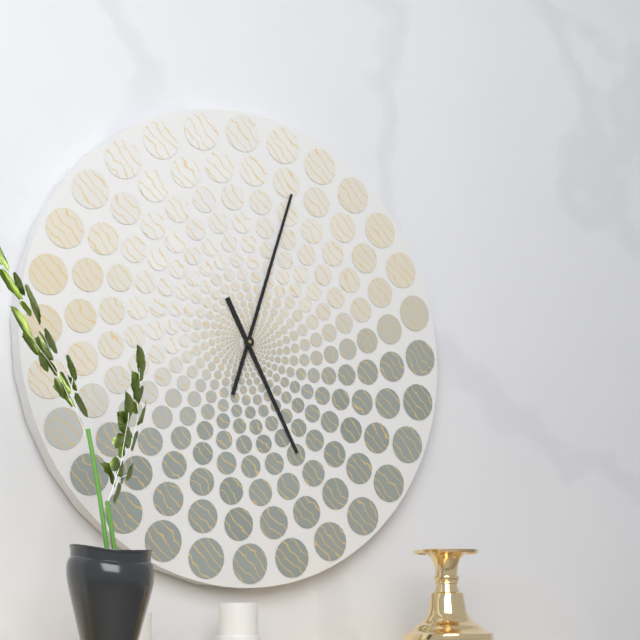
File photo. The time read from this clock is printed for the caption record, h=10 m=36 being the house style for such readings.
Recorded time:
h=5 m=3
